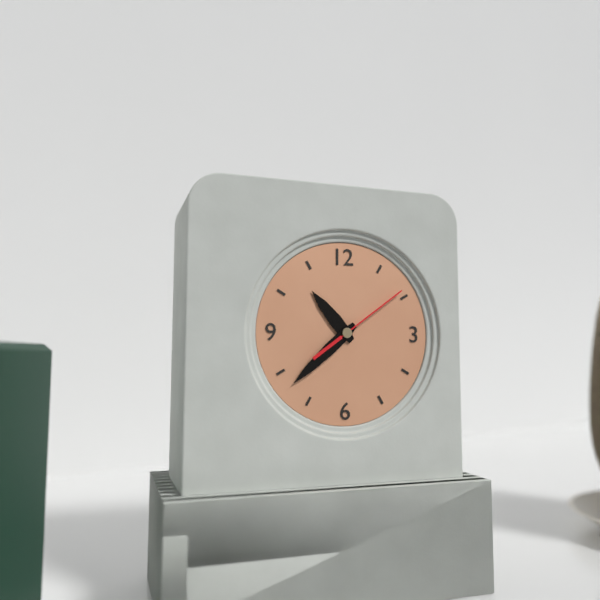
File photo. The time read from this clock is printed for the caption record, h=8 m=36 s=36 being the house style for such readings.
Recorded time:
h=10 m=38 s=9
